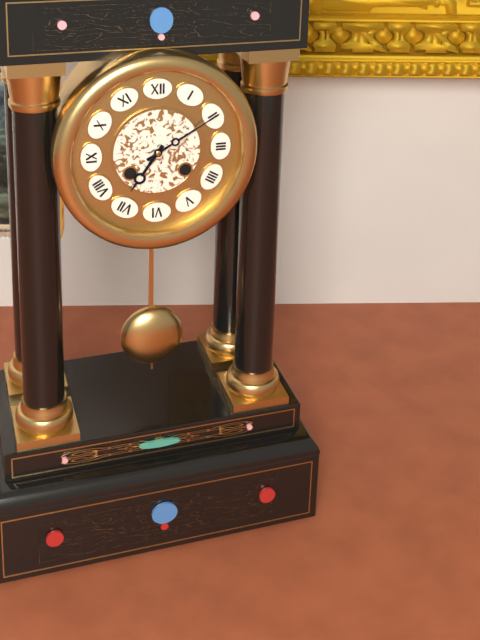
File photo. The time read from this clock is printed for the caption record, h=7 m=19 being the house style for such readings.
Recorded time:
h=7 m=10
